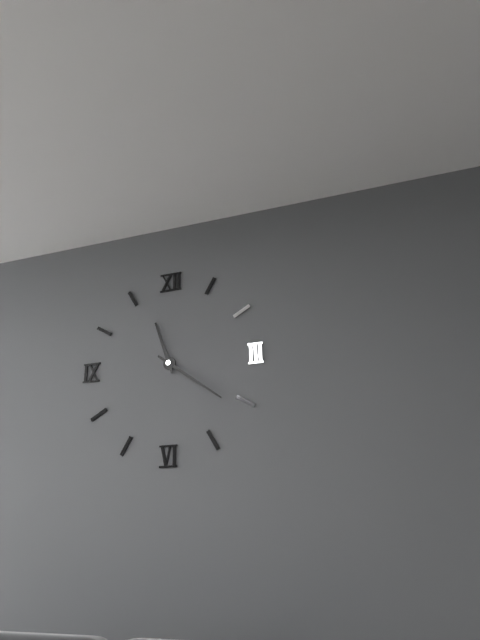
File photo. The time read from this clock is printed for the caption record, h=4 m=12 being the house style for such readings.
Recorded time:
h=11 m=21
